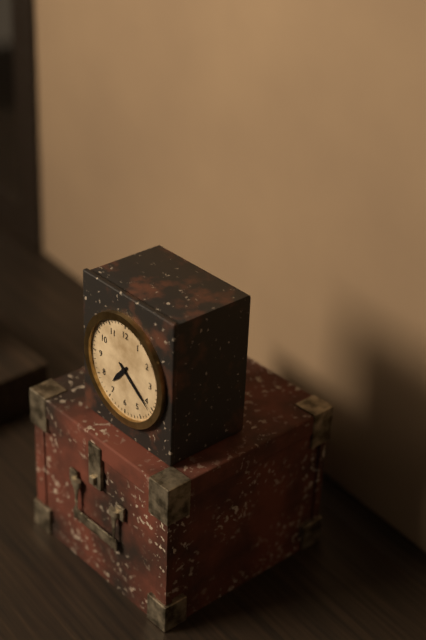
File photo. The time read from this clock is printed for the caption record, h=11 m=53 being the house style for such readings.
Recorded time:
h=7 m=21
